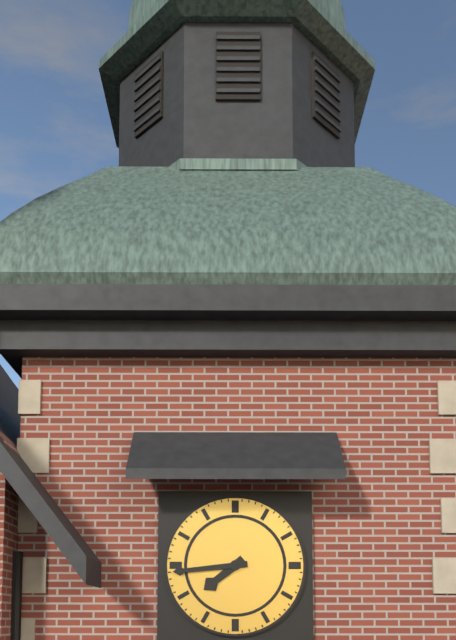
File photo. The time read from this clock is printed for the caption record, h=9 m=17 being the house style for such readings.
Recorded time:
h=7 m=44
